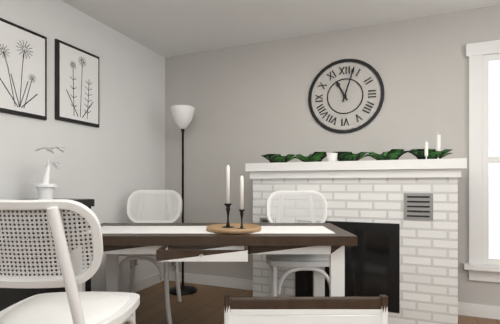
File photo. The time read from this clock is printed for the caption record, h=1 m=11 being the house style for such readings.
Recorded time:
h=11 m=3
